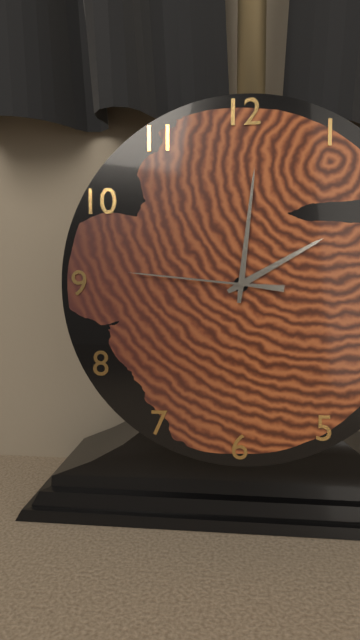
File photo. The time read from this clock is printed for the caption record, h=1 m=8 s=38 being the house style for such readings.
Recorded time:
h=2 m=1 s=46
